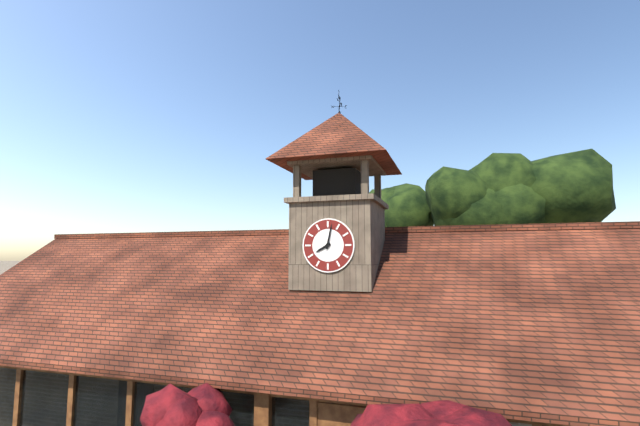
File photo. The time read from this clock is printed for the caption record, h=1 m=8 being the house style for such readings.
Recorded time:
h=8 m=2
